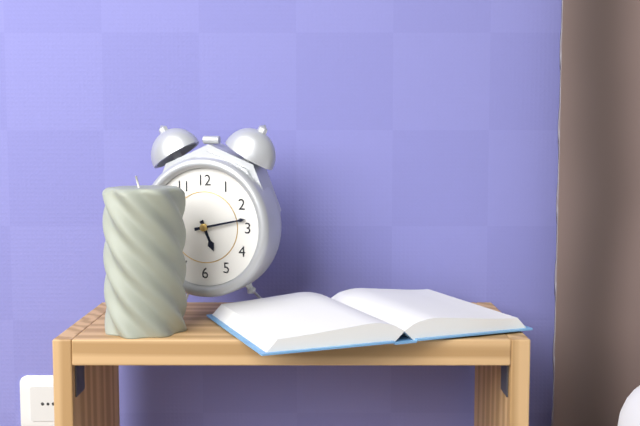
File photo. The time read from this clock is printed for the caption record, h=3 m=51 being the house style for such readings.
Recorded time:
h=5 m=13
